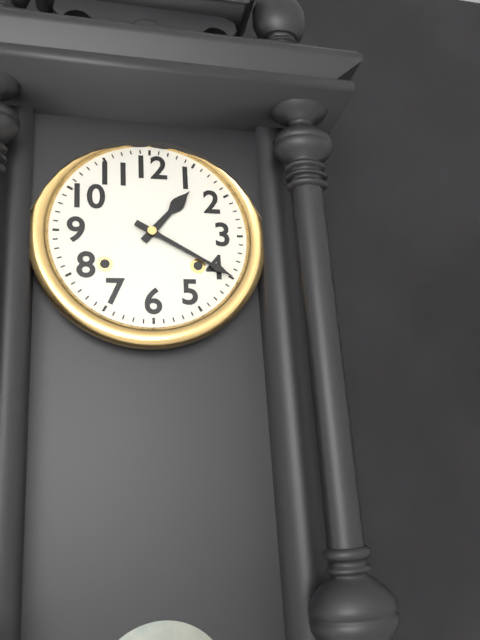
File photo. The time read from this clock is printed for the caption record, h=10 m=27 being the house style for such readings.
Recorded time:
h=1 m=20
